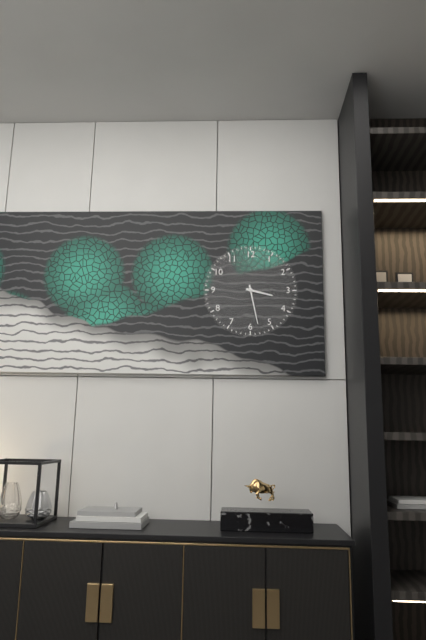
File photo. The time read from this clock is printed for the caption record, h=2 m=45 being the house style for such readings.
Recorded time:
h=3 m=28
